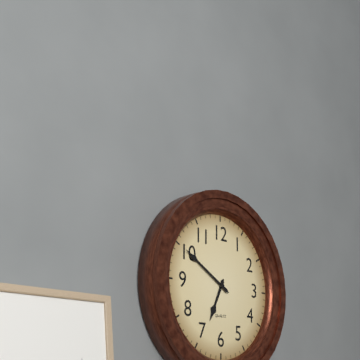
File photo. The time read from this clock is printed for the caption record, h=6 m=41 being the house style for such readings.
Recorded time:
h=6 m=50
